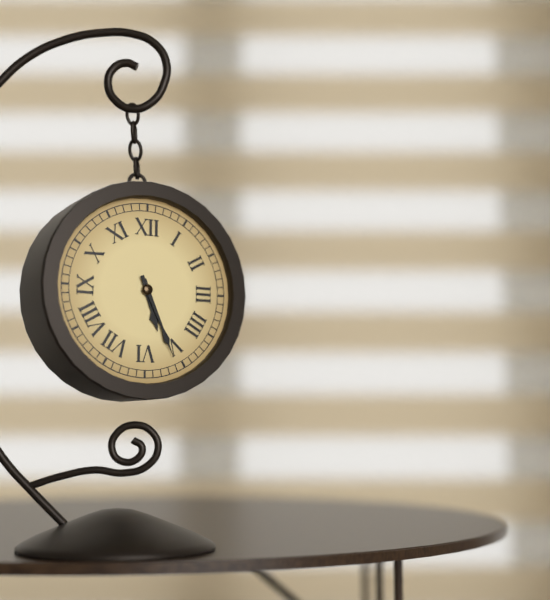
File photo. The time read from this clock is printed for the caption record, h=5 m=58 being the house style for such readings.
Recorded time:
h=5 m=26
